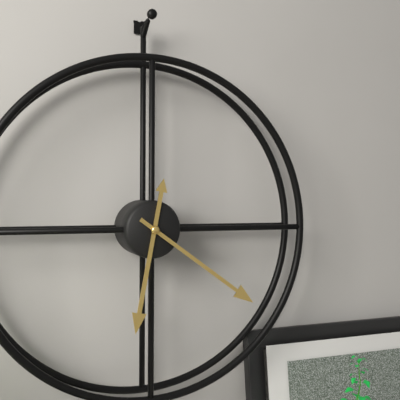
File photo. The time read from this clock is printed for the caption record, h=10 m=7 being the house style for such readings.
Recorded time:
h=6 m=21
